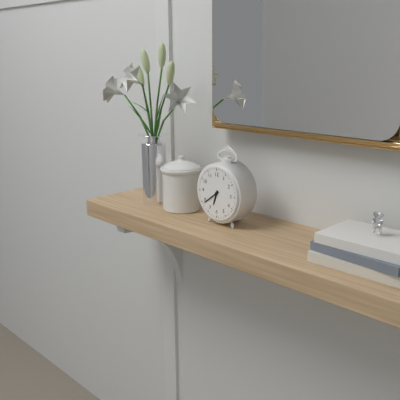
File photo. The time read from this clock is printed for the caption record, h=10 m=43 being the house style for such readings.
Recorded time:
h=6 m=39
